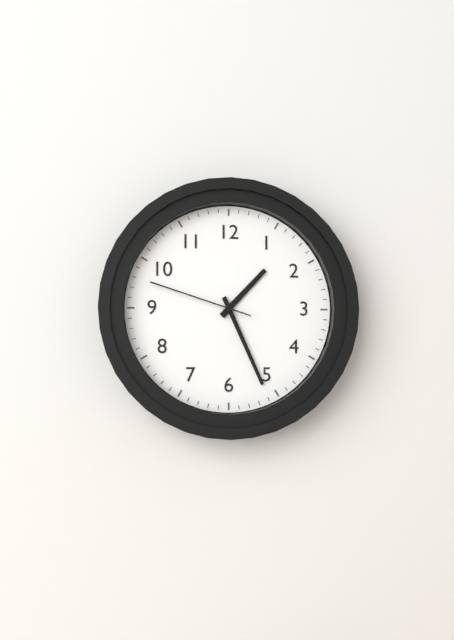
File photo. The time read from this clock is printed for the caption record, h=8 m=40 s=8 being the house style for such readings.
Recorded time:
h=1 m=26 s=48
